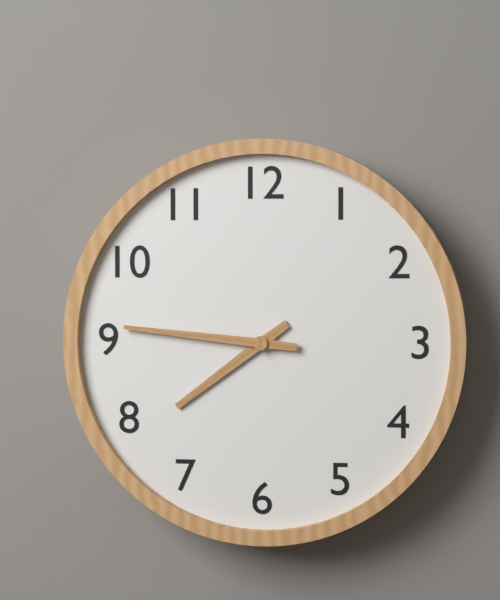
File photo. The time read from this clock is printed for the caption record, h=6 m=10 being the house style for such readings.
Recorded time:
h=7 m=46
